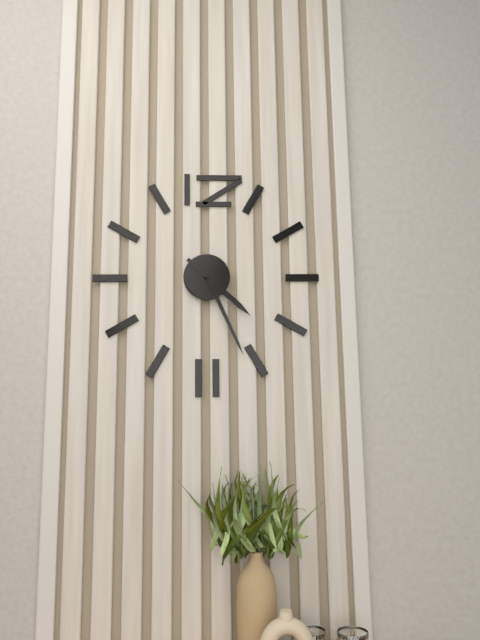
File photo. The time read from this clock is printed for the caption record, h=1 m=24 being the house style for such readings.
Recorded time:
h=4 m=26
